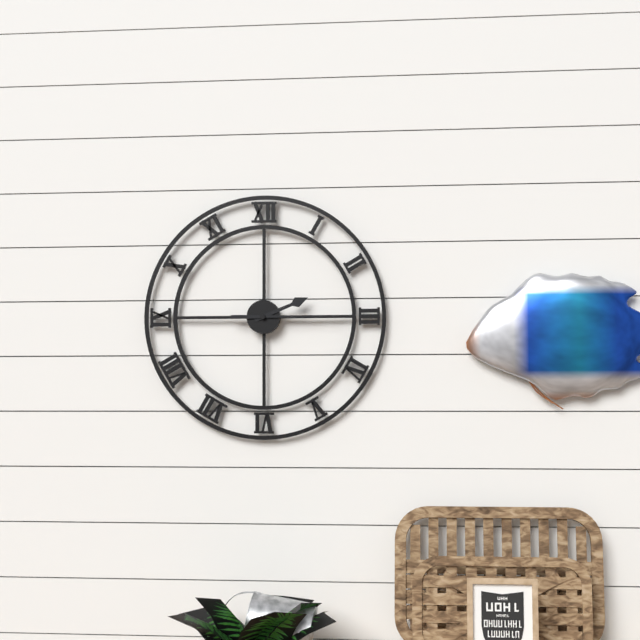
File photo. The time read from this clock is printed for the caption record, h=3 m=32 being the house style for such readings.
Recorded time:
h=2 m=15
